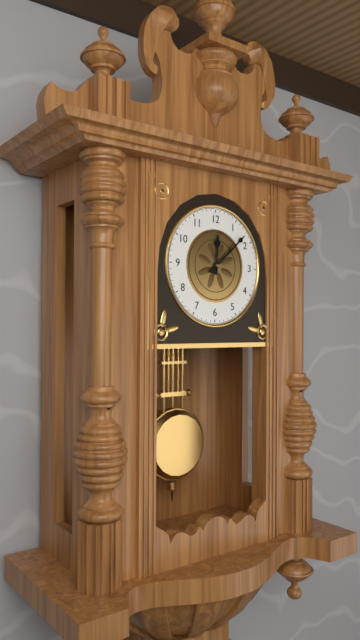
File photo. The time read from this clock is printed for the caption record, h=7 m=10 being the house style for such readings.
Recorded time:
h=12 m=8
